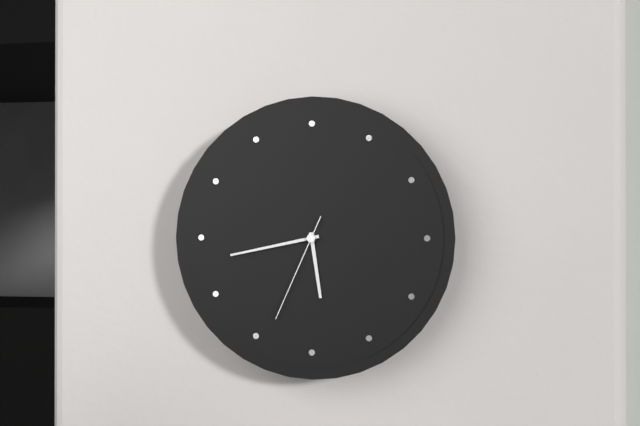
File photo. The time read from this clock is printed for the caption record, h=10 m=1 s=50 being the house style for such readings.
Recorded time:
h=5 m=43 s=34
